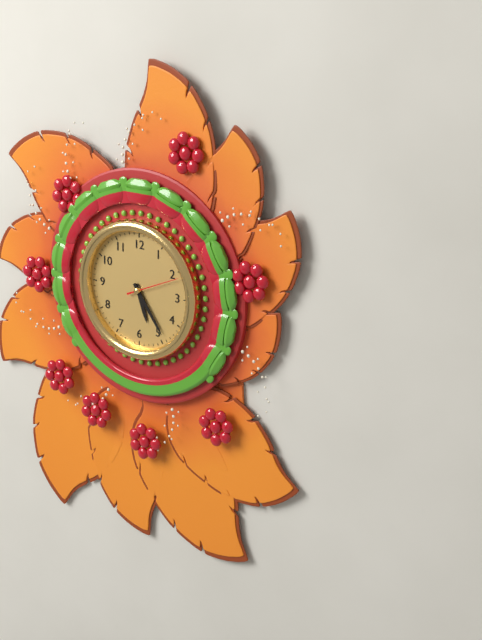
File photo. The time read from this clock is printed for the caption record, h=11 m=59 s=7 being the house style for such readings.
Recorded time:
h=5 m=24 s=11
